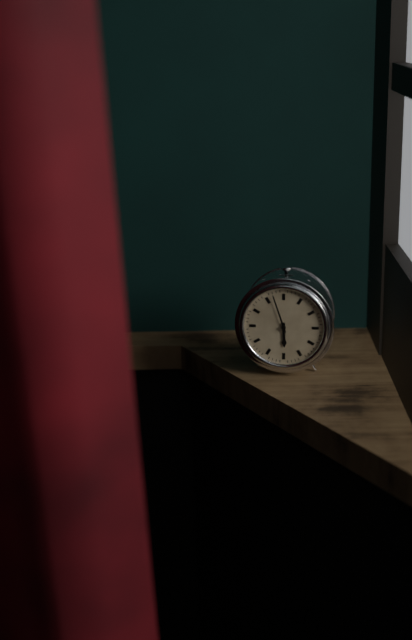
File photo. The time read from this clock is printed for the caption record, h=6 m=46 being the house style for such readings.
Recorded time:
h=5 m=57
